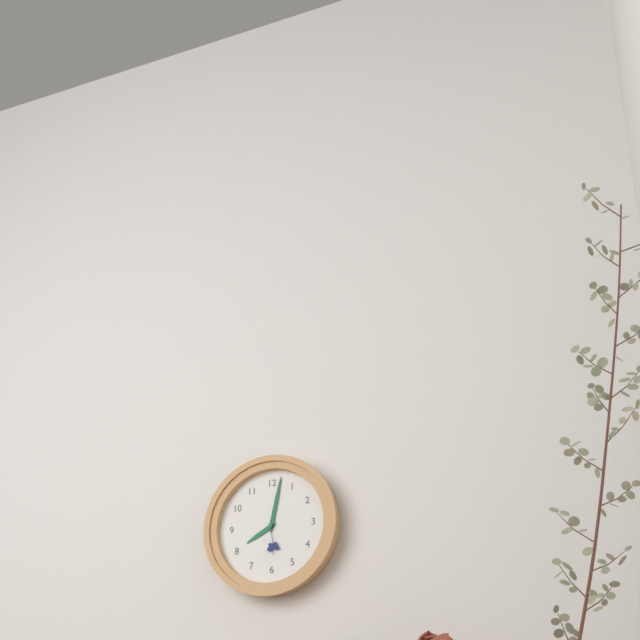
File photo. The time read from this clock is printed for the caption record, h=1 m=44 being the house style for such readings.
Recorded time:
h=8 m=2
